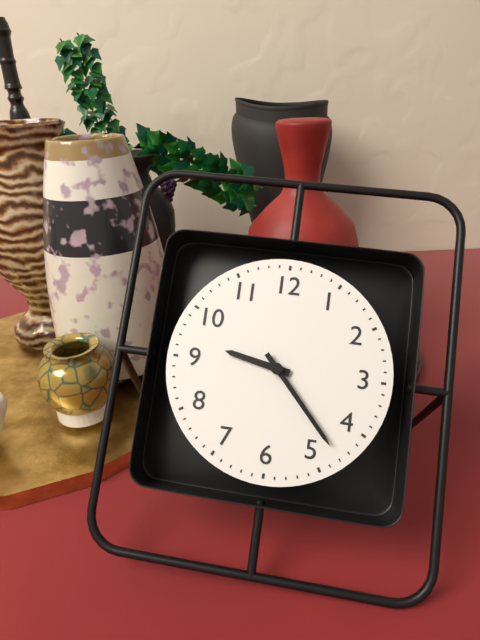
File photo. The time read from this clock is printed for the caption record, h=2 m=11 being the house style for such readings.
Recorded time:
h=9 m=23
